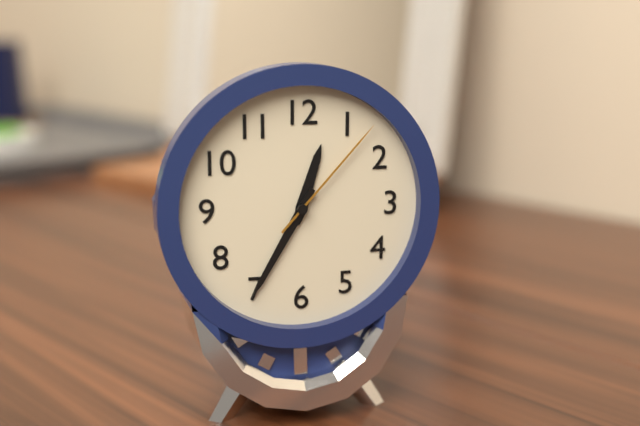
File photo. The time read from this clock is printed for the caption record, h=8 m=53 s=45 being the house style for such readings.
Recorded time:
h=12 m=35 s=7
